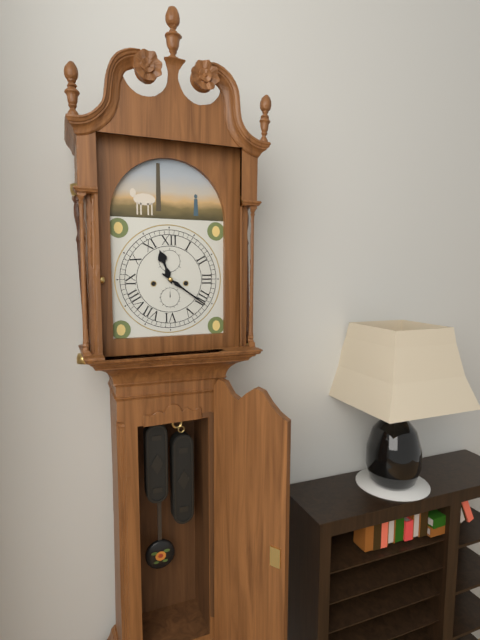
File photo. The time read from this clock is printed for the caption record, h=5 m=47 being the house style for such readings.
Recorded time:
h=11 m=21
